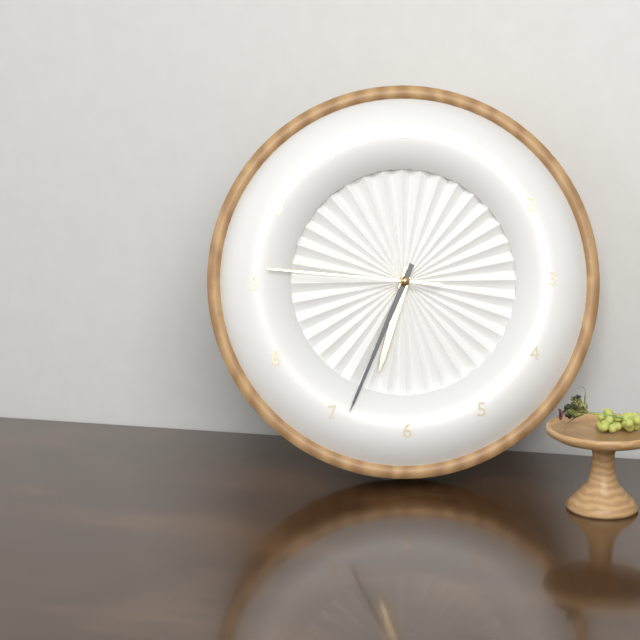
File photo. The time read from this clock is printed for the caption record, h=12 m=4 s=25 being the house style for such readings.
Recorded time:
h=6 m=34 s=46
